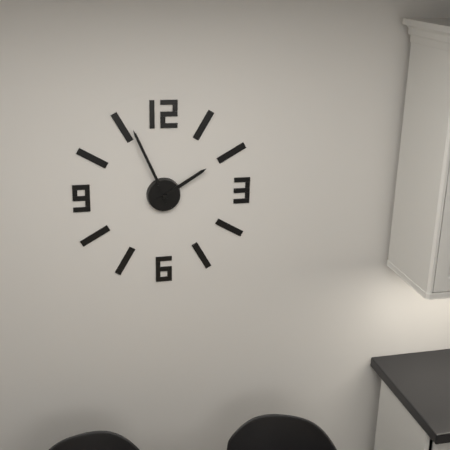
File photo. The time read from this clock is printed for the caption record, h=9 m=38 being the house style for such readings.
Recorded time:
h=1 m=56
